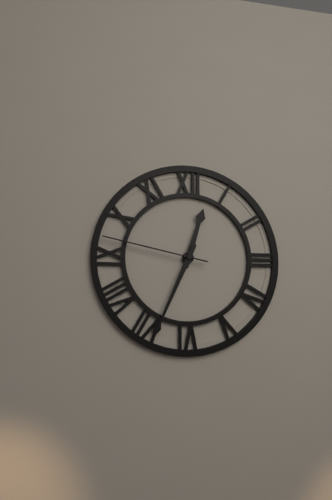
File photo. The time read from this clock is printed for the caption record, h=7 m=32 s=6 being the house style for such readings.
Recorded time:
h=12 m=34 s=47
